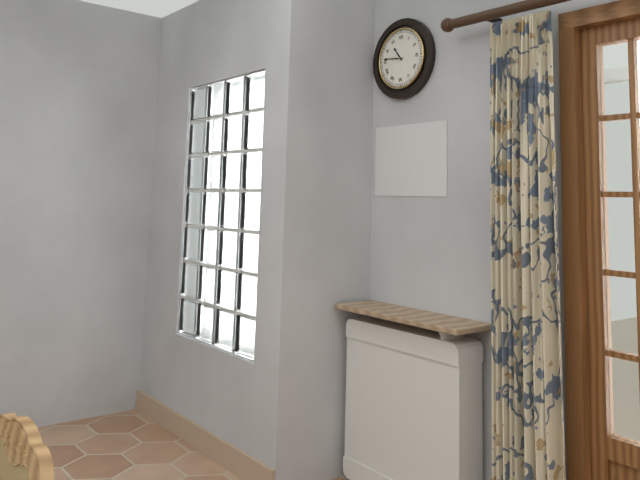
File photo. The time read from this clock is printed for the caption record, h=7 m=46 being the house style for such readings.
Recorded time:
h=10 m=46
